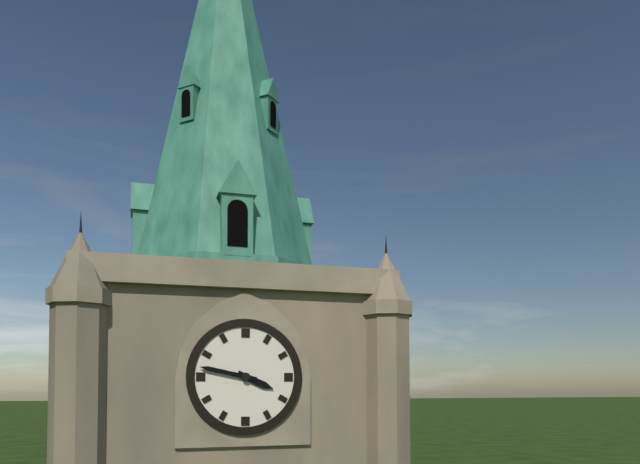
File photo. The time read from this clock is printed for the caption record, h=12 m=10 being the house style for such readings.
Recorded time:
h=3 m=47
